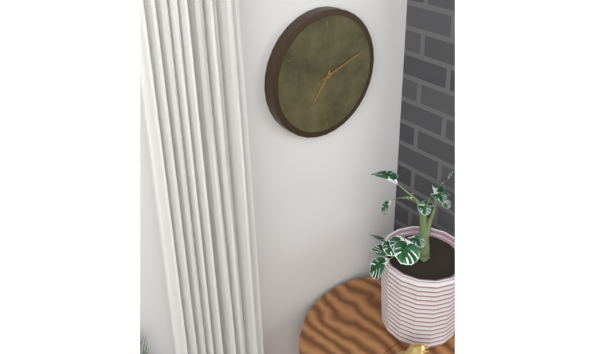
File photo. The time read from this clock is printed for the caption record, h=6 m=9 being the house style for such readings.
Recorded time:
h=7 m=12
